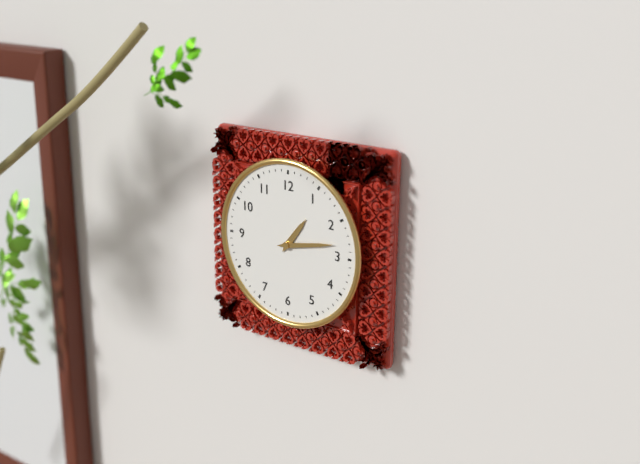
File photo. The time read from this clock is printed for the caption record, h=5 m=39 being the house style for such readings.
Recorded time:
h=1 m=13
